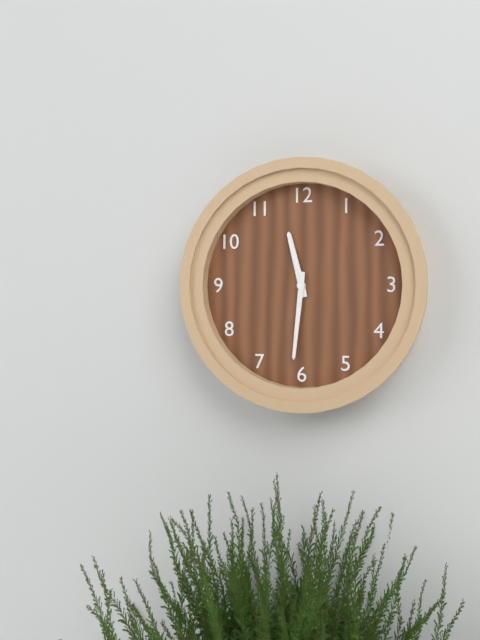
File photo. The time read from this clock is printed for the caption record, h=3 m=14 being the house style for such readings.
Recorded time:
h=11 m=31
